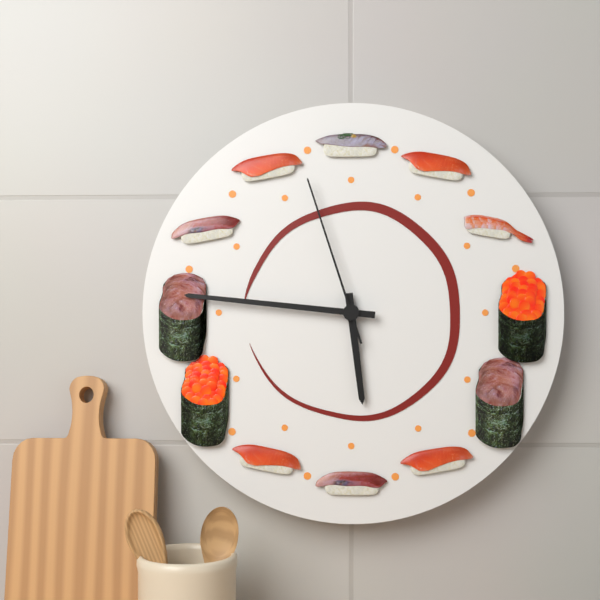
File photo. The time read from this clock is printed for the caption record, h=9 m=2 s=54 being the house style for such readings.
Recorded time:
h=5 m=46 s=57
